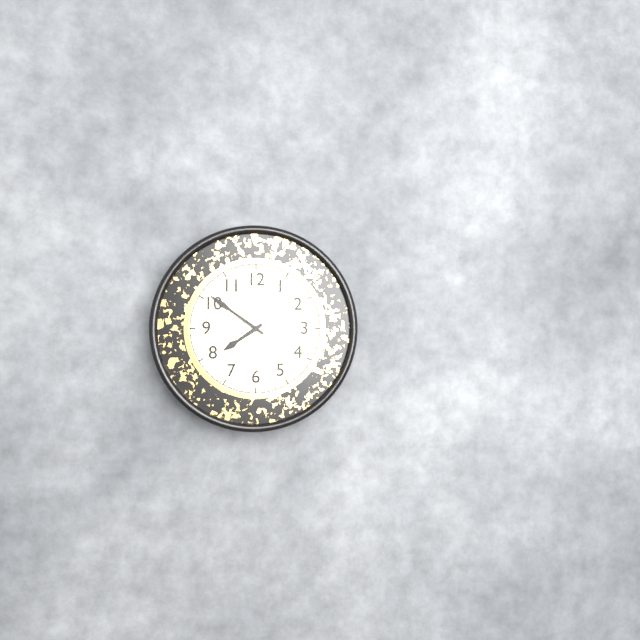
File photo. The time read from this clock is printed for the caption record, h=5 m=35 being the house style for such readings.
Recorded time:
h=7 m=51
